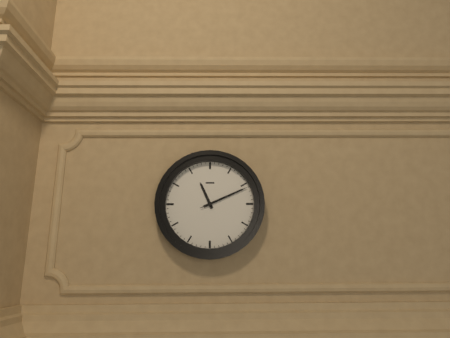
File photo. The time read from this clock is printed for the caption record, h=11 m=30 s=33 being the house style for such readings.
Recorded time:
h=11 m=11 s=11
